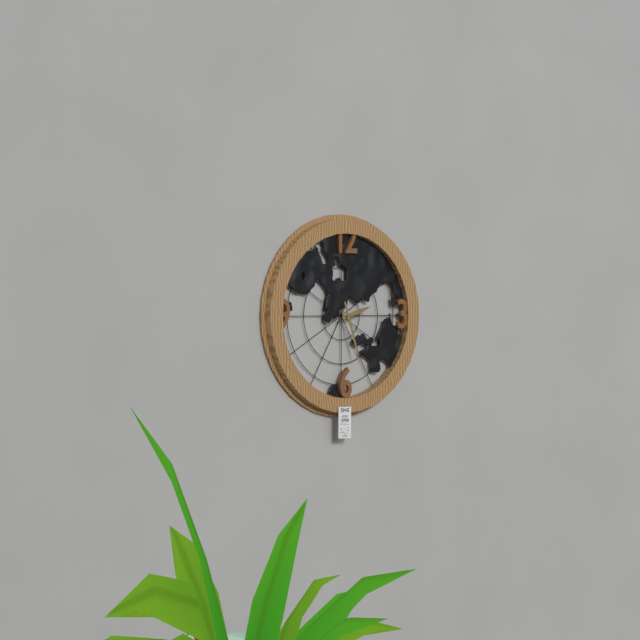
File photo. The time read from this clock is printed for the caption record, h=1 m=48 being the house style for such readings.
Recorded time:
h=2 m=27
